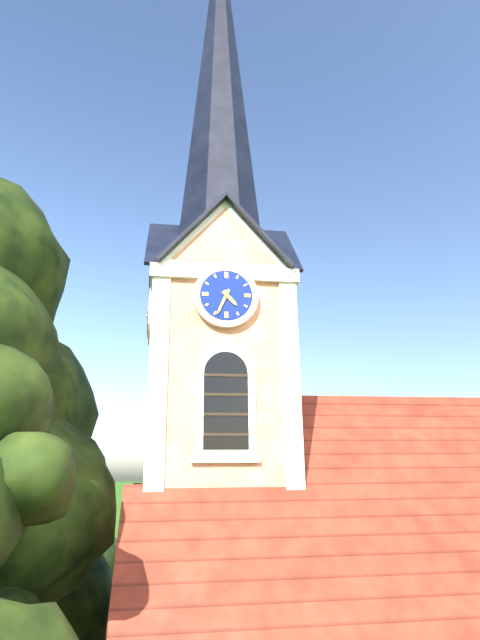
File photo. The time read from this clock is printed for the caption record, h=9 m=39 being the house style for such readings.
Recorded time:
h=4 m=34
